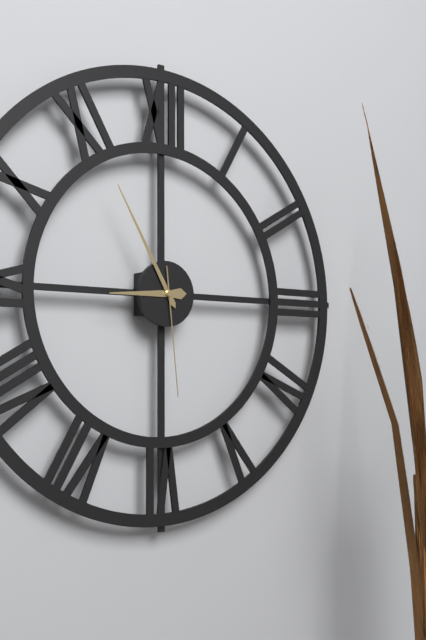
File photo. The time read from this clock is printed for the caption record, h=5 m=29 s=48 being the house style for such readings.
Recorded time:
h=8 m=55 s=29
